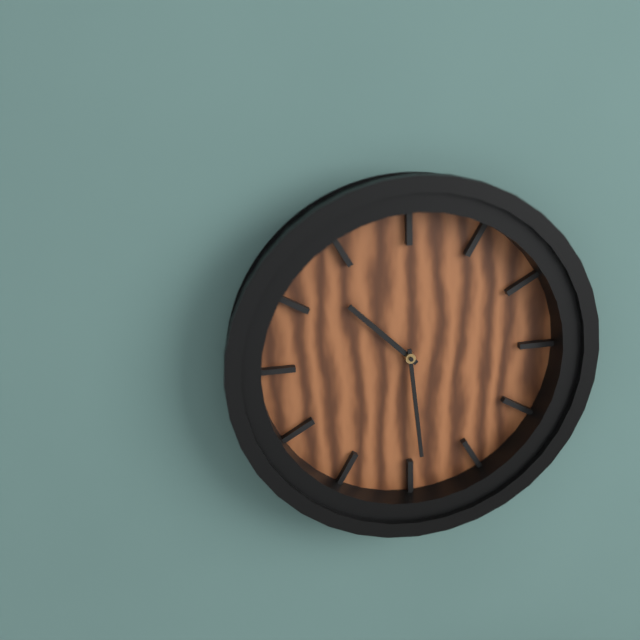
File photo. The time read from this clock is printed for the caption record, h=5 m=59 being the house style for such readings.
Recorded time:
h=10 m=29
